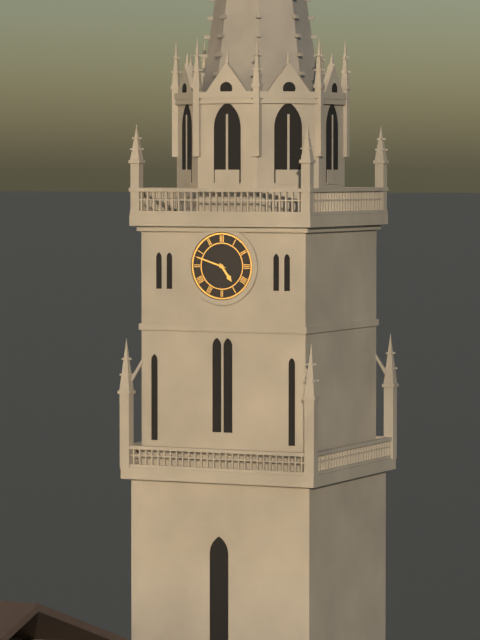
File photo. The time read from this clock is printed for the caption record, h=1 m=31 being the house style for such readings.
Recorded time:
h=4 m=48
